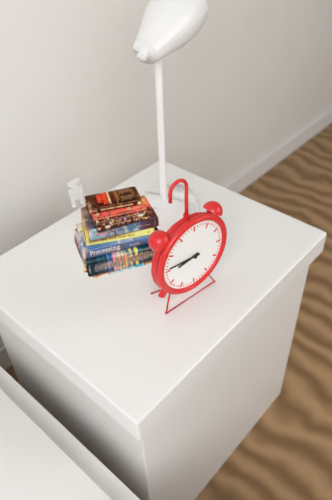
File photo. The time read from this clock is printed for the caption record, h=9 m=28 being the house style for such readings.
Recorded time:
h=8 m=46
